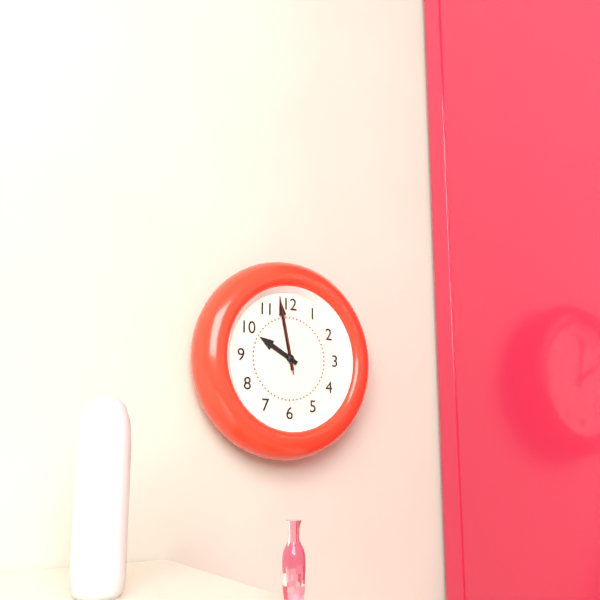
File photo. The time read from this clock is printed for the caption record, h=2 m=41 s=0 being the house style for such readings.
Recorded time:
h=9 m=58 s=58
